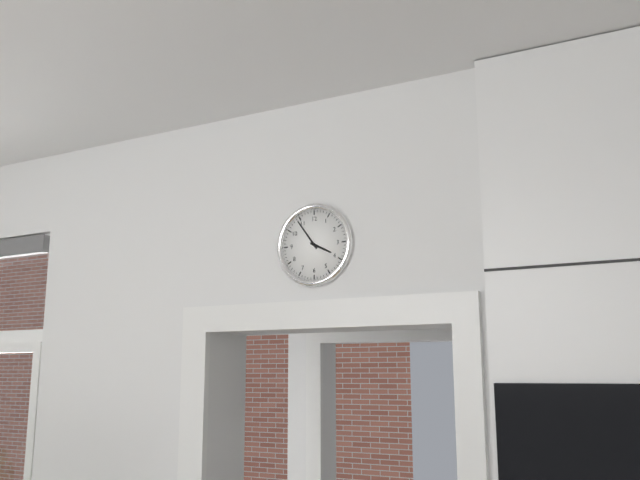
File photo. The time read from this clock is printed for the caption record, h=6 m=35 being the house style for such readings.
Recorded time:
h=3 m=54
